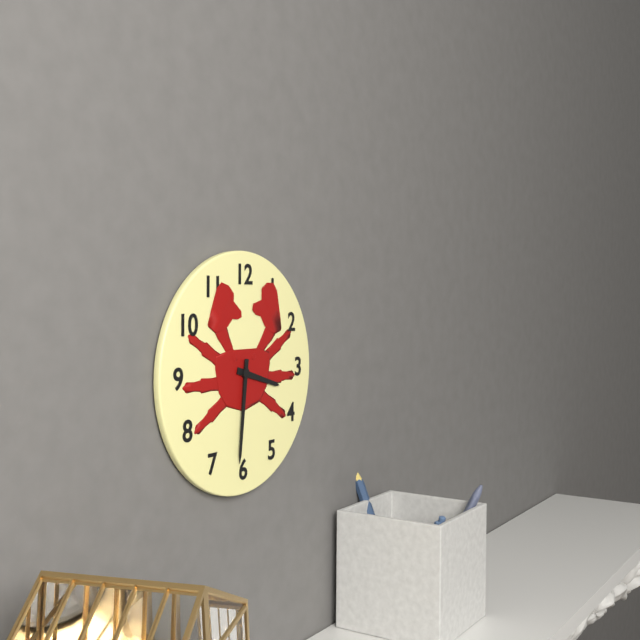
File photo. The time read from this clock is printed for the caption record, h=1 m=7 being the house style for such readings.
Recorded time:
h=3 m=31
